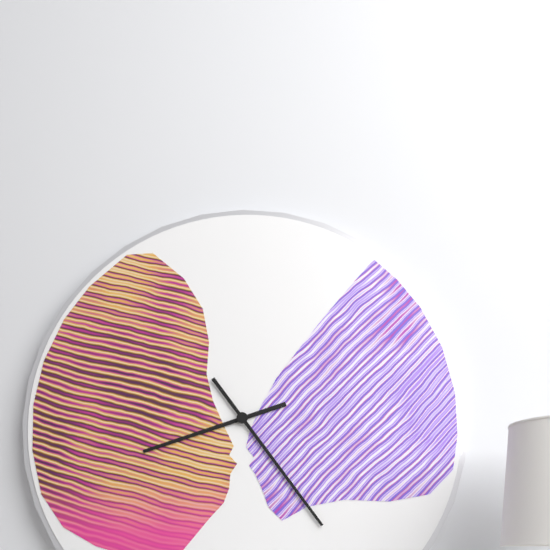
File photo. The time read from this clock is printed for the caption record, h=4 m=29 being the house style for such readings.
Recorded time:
h=8 m=24
